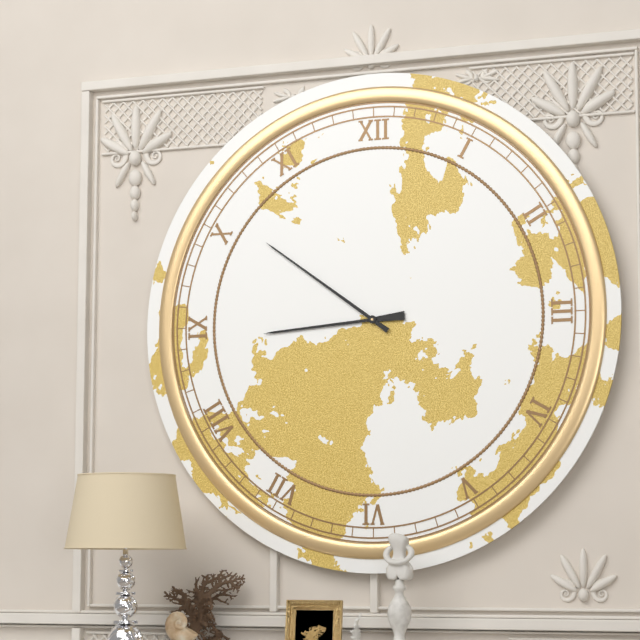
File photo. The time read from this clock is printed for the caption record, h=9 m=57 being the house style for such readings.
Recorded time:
h=8 m=51
